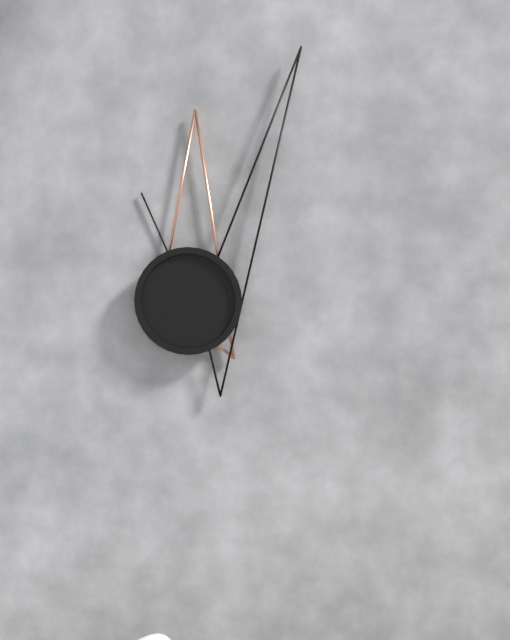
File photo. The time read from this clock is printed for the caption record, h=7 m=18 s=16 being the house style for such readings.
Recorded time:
h=12 m=4 s=56
